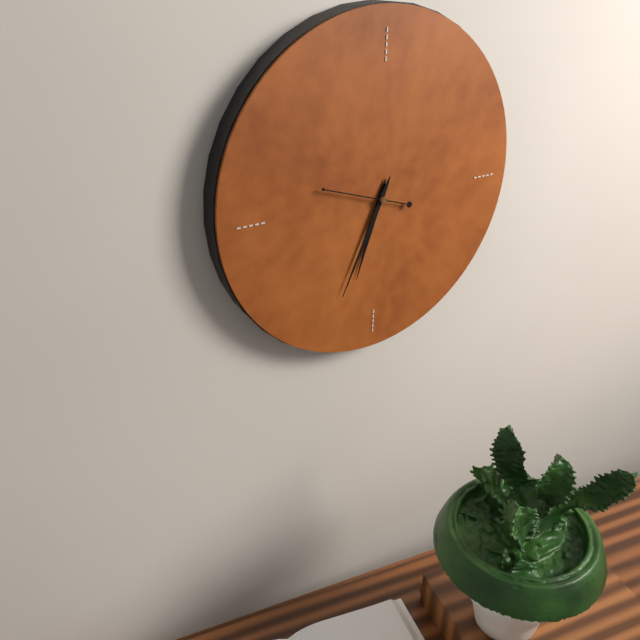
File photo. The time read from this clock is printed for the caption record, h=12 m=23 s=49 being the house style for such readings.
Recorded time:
h=6 m=34 s=48
